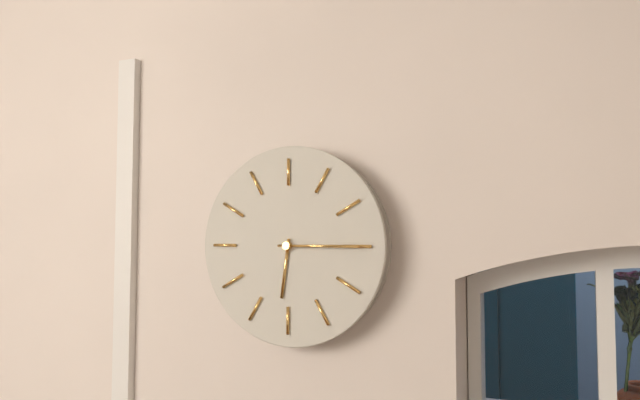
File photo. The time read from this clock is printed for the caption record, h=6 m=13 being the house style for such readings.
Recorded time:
h=6 m=15
